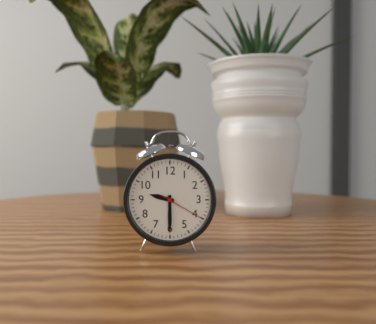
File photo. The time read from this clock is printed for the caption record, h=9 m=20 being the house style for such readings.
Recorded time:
h=9 m=30
